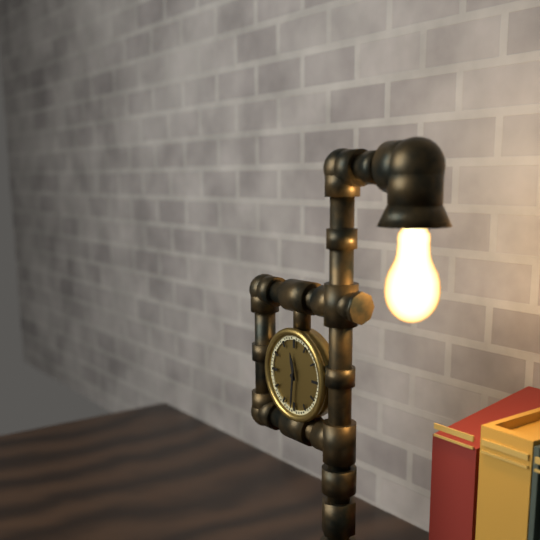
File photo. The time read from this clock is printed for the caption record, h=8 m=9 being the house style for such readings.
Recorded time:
h=11 m=31
